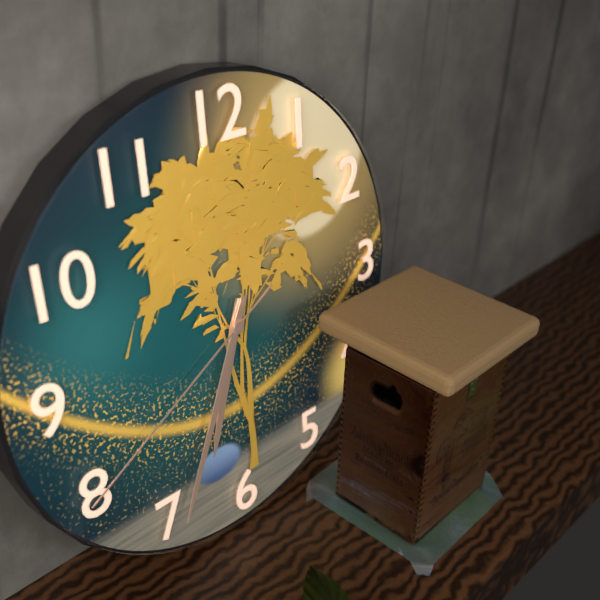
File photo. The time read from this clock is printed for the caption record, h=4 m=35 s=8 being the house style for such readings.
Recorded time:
h=6 m=34 s=40
